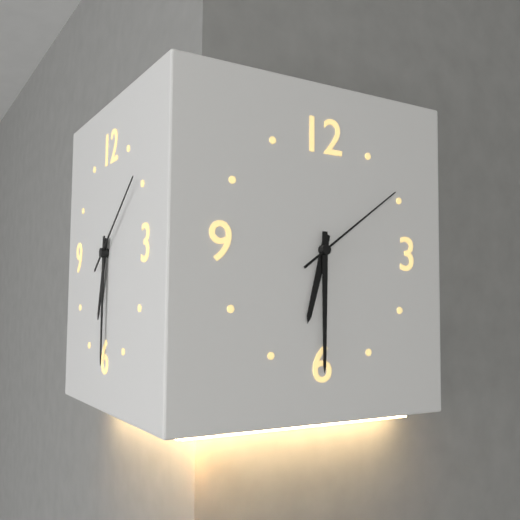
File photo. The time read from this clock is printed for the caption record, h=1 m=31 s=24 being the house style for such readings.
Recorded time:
h=6 m=30 s=9
